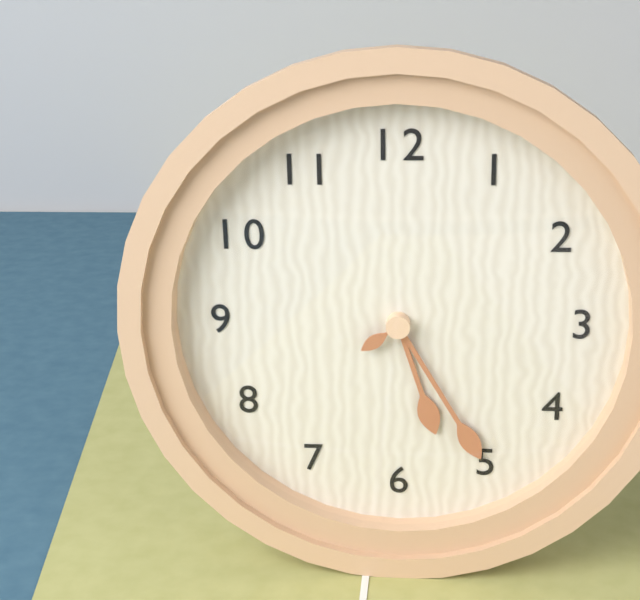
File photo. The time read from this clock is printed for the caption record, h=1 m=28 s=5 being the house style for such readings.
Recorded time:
h=5 m=25 s=39
